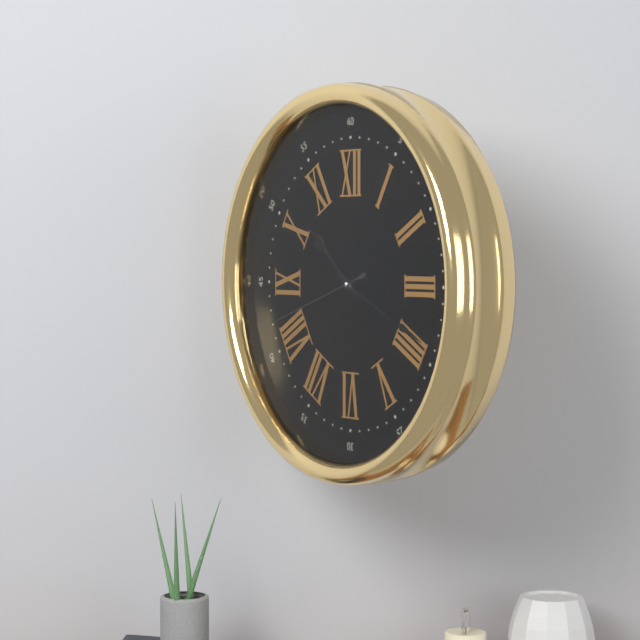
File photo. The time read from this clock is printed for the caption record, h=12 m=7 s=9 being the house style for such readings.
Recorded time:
h=10 m=19 s=42
